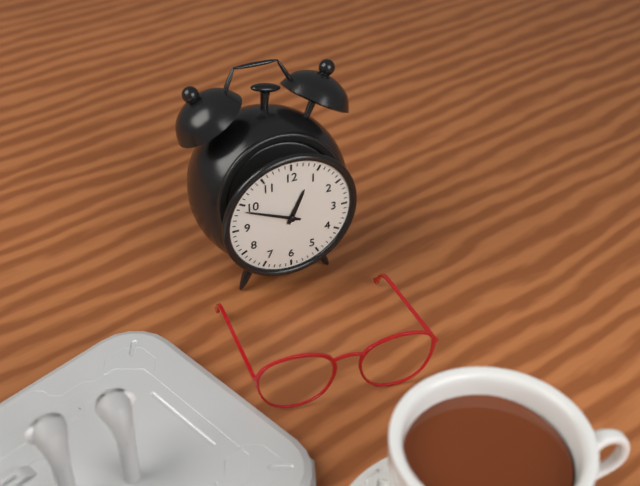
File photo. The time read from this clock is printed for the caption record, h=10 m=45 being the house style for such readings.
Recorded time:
h=12 m=49
